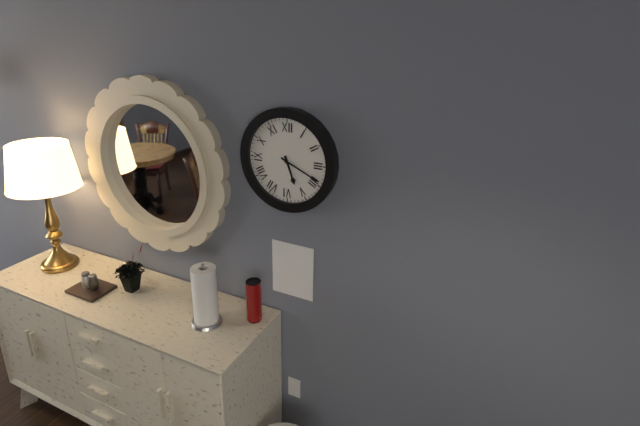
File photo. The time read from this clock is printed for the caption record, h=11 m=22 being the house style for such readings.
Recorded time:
h=5 m=19
